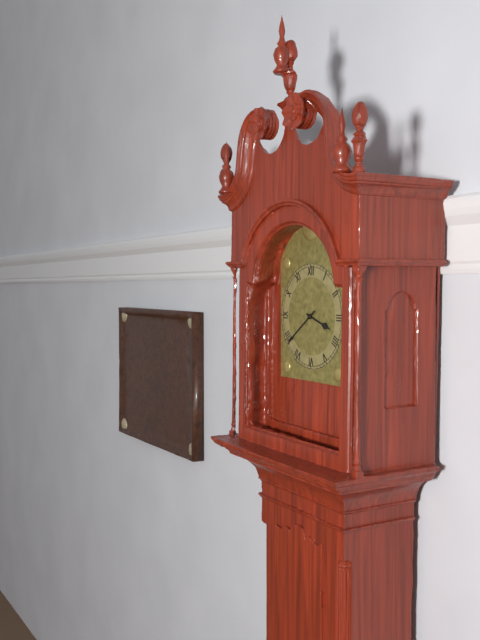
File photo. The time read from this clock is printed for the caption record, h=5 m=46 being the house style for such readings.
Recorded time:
h=3 m=39
